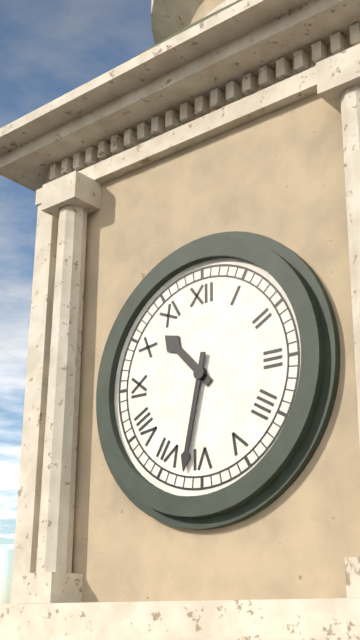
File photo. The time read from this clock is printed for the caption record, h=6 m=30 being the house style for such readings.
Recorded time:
h=10 m=32
